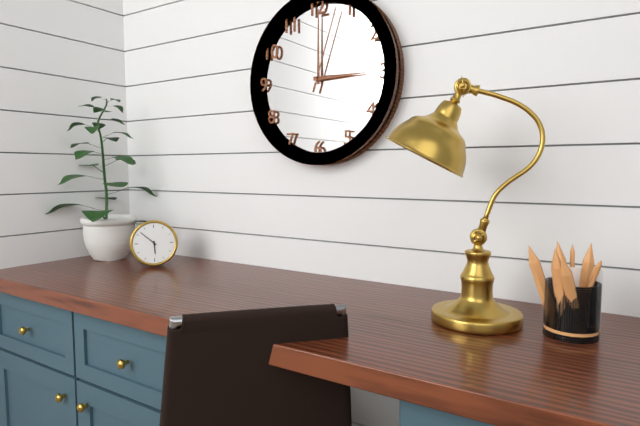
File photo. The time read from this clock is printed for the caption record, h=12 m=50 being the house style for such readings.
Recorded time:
h=5 m=52
